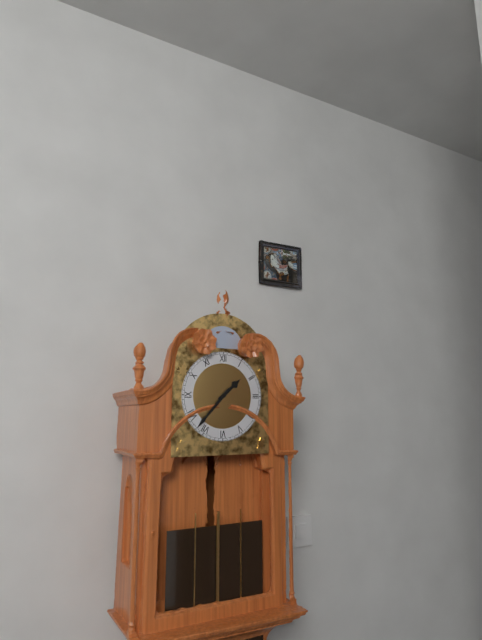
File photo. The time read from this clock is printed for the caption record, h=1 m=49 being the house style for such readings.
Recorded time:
h=1 m=37
